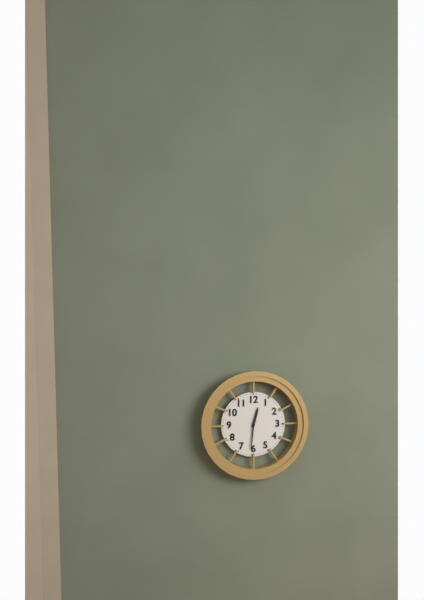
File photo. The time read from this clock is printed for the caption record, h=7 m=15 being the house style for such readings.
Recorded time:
h=12 m=31
